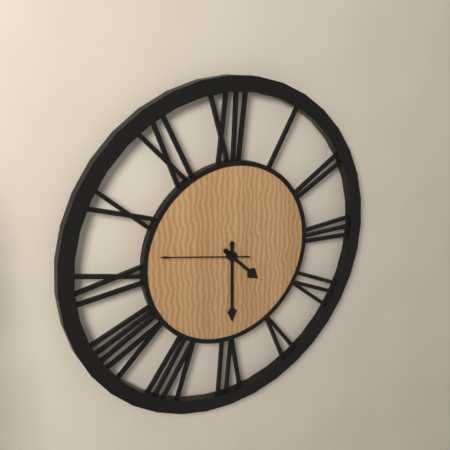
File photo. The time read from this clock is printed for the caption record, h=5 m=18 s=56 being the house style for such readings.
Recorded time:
h=4 m=30 s=47
